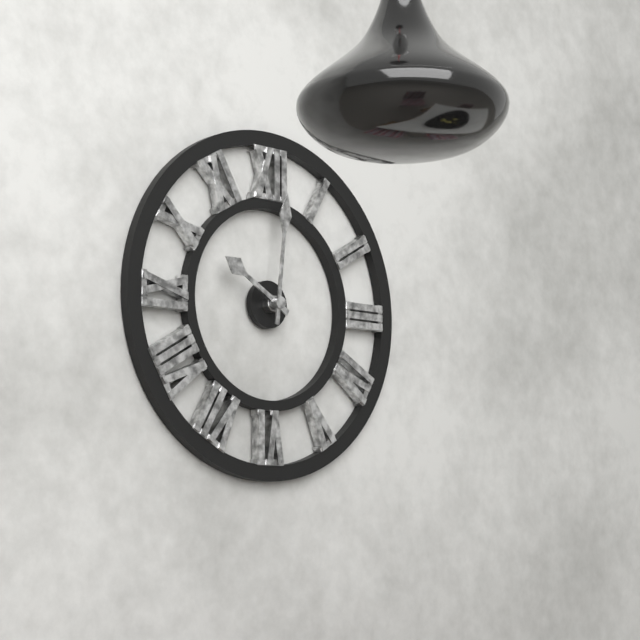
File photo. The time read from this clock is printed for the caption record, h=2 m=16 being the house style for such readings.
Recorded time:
h=10 m=1
